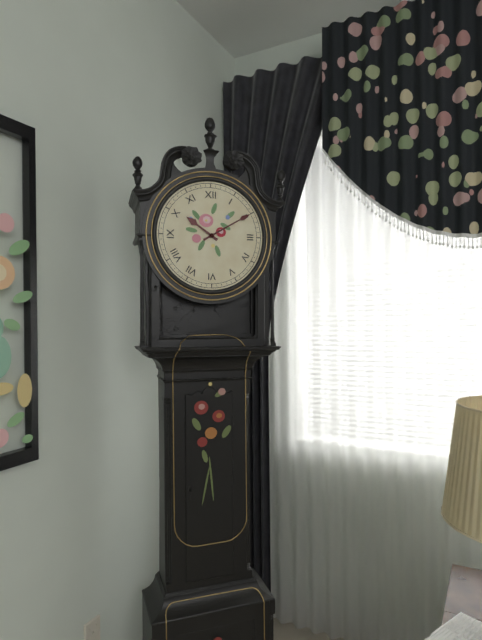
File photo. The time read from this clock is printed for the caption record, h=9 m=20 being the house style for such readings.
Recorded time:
h=10 m=10
